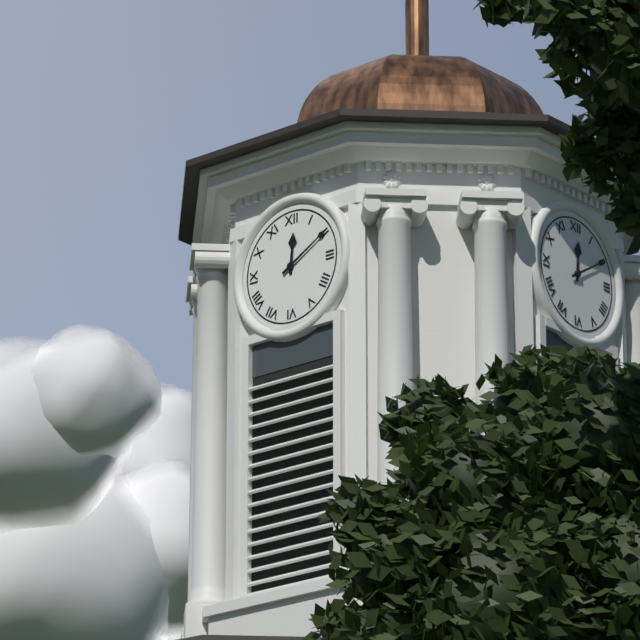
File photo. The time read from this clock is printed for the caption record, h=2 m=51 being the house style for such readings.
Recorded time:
h=12 m=10
